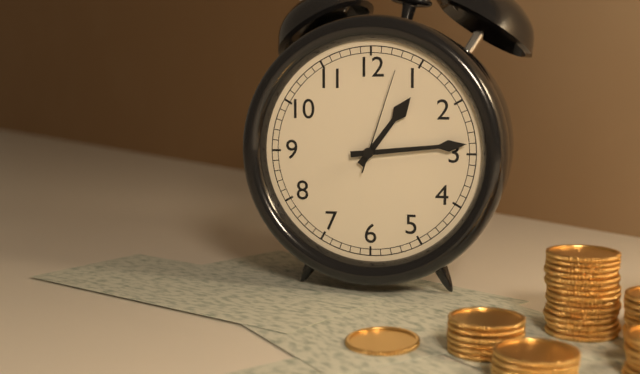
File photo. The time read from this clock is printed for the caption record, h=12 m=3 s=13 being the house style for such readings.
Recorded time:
h=1 m=14 s=3
